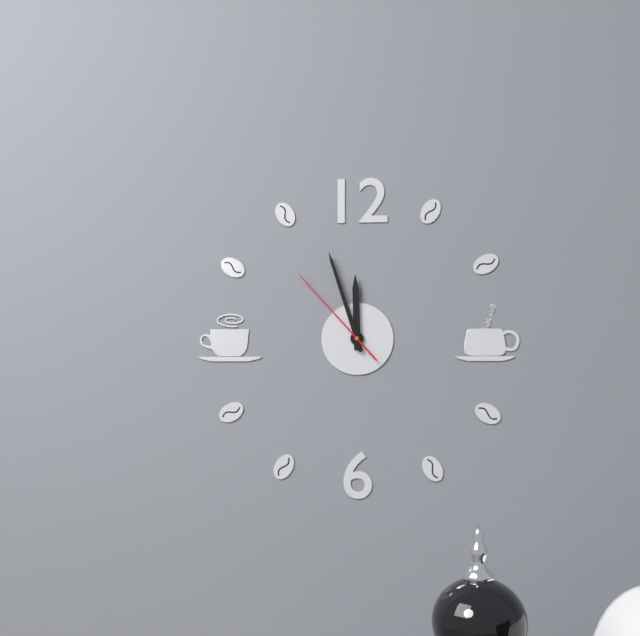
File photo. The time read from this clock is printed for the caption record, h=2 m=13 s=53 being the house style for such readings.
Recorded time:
h=11 m=57 s=53
